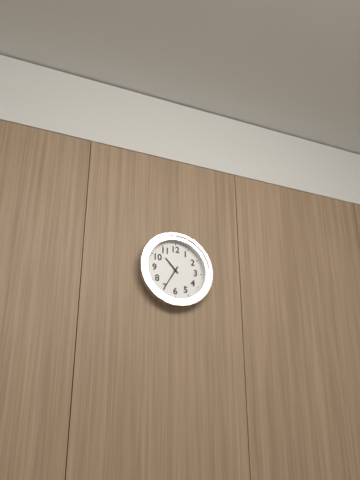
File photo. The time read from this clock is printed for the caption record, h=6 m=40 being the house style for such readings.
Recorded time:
h=10 m=35
